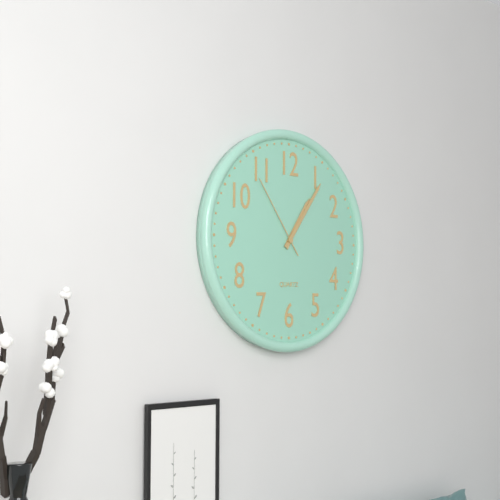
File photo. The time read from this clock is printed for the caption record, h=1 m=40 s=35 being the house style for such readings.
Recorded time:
h=1 m=6 s=54
